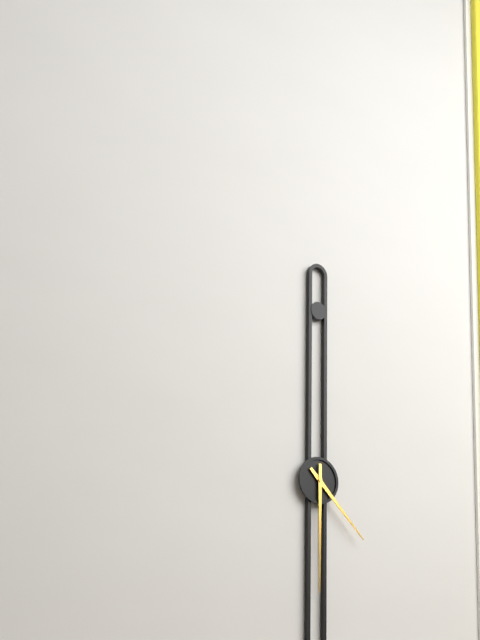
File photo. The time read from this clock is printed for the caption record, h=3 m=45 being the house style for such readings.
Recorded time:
h=4 m=30
